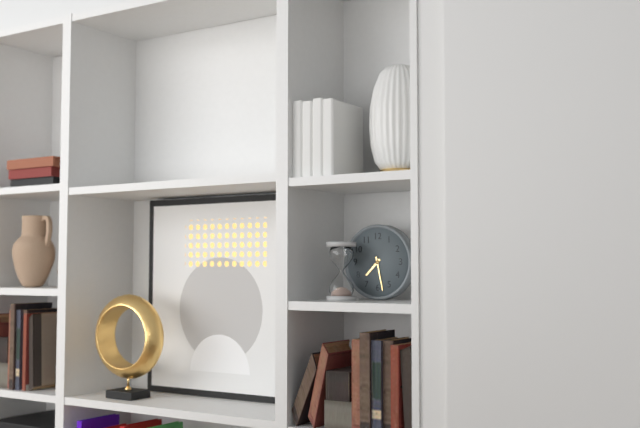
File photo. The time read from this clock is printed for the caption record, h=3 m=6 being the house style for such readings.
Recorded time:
h=7 m=28
